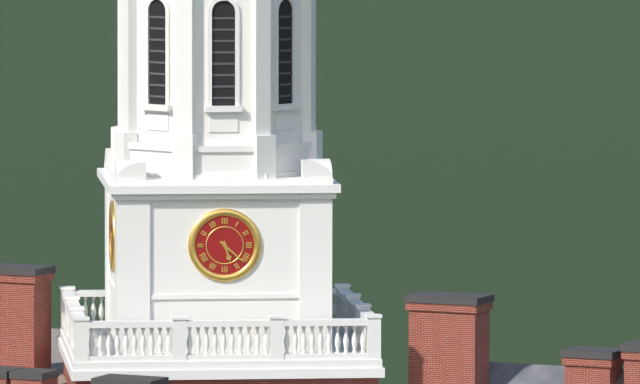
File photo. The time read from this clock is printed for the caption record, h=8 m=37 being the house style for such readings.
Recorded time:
h=5 m=22
